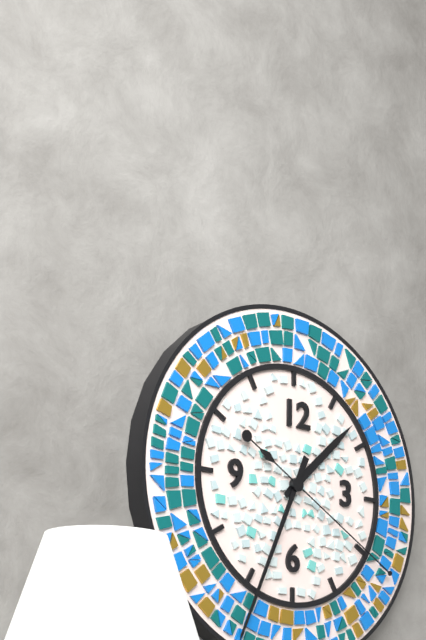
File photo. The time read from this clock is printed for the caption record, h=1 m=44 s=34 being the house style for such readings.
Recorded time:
h=1 m=34 s=20
